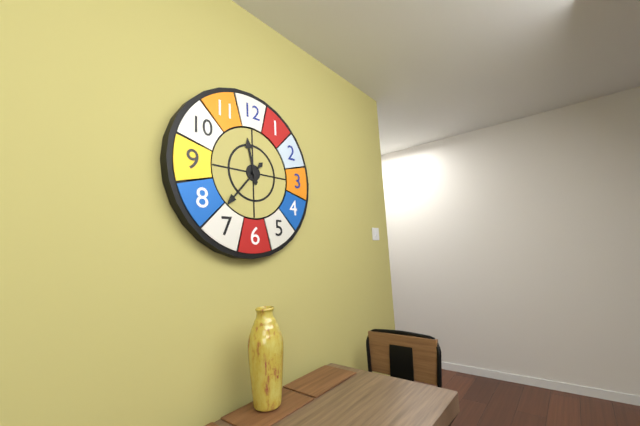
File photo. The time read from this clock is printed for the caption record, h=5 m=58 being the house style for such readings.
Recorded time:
h=11 m=37
